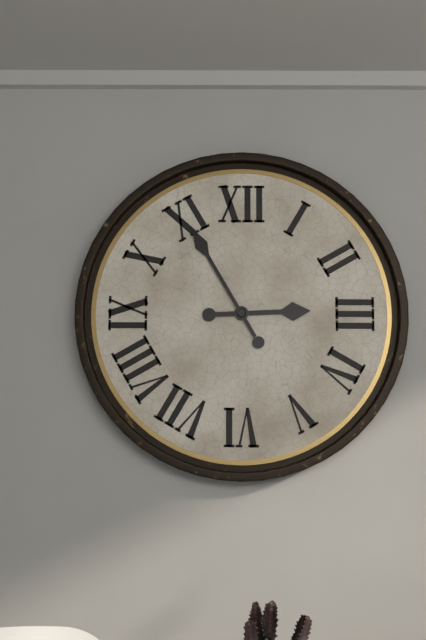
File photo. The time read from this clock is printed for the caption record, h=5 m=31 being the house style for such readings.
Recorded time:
h=2 m=55
